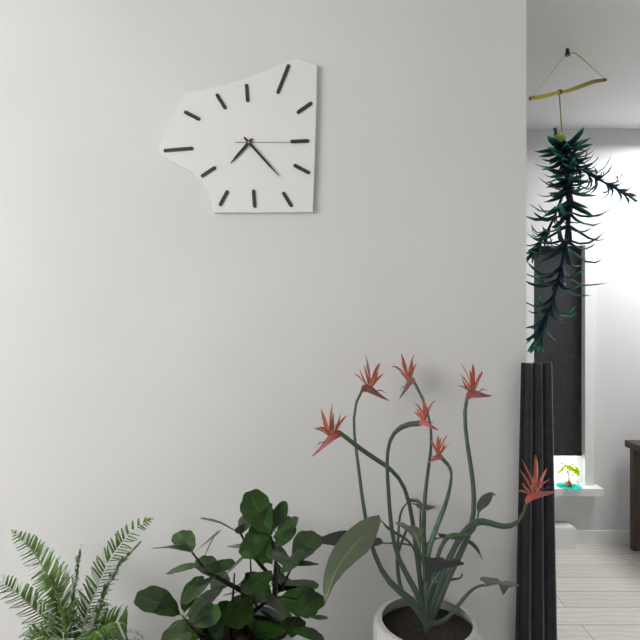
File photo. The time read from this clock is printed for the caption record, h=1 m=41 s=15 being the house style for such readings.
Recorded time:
h=7 m=23 s=15
